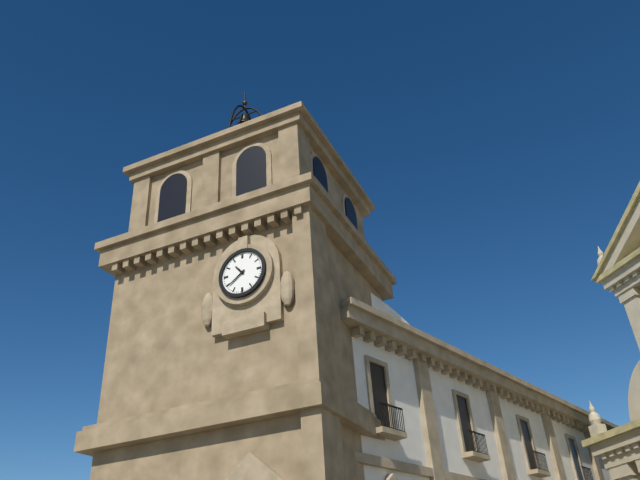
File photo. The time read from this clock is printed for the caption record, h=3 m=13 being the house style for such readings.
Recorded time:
h=10 m=39
